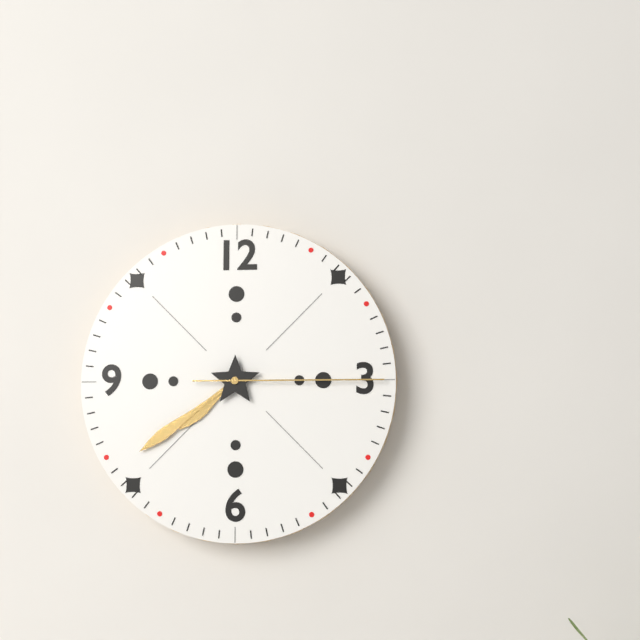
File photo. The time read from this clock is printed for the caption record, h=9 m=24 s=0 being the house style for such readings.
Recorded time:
h=7 m=39 s=15
